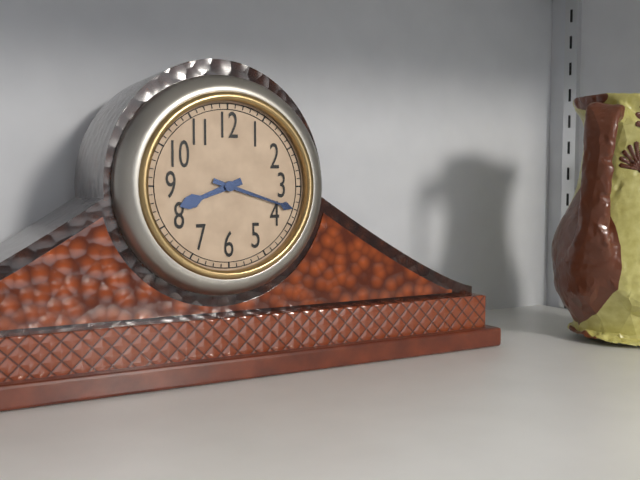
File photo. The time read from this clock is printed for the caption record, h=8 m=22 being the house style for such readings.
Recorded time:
h=8 m=18
